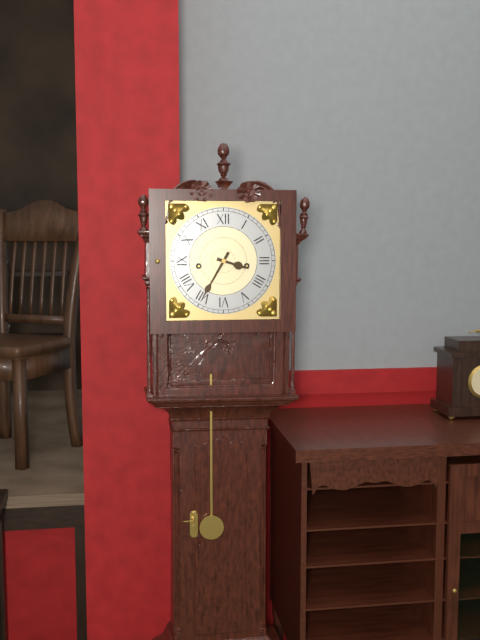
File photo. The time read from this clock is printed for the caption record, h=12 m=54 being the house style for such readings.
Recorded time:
h=3 m=35
